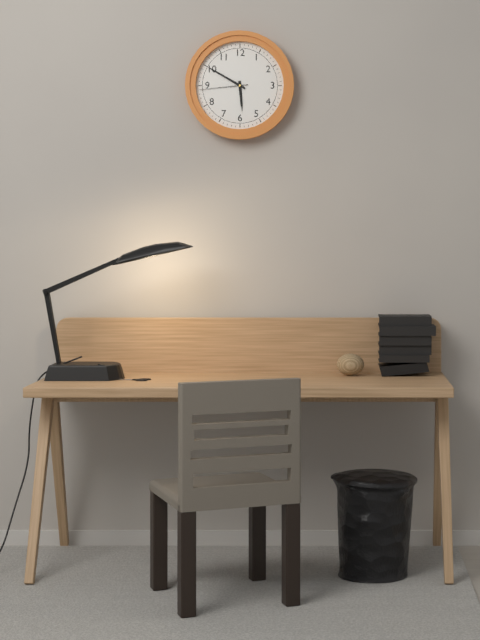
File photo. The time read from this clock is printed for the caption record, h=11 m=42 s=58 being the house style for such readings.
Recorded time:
h=5 m=50 s=44
